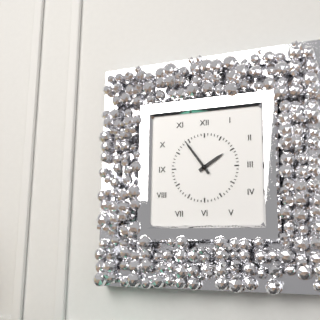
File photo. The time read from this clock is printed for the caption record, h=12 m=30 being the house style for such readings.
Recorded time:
h=1 m=54
